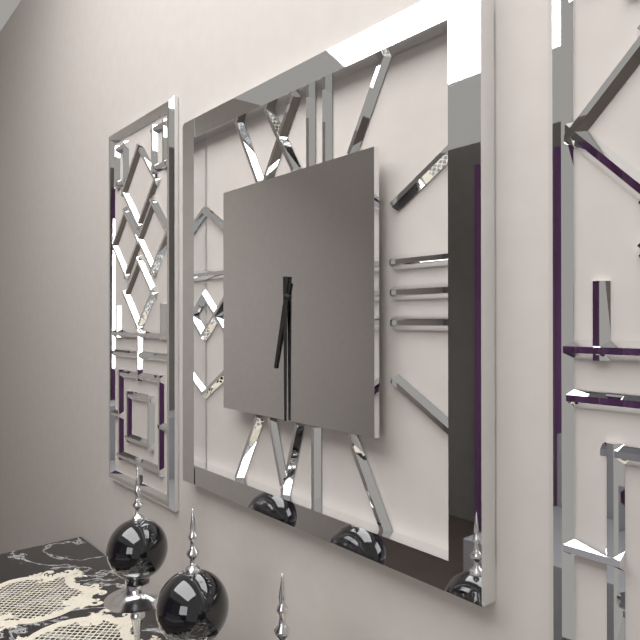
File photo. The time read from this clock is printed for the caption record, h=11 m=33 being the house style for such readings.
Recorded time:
h=6 m=30
